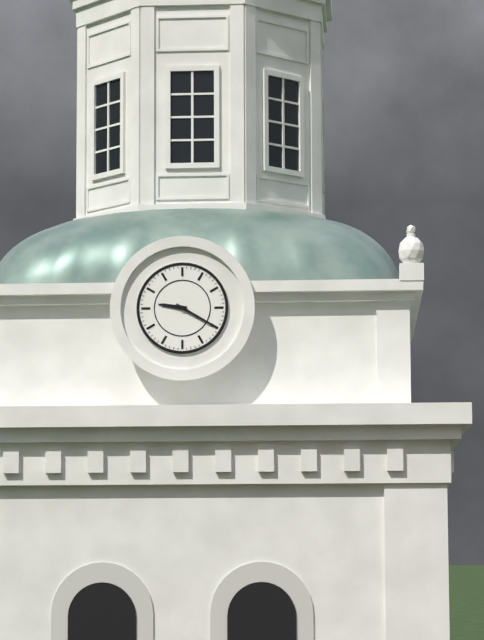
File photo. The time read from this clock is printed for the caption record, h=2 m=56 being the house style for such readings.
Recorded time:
h=9 m=20
